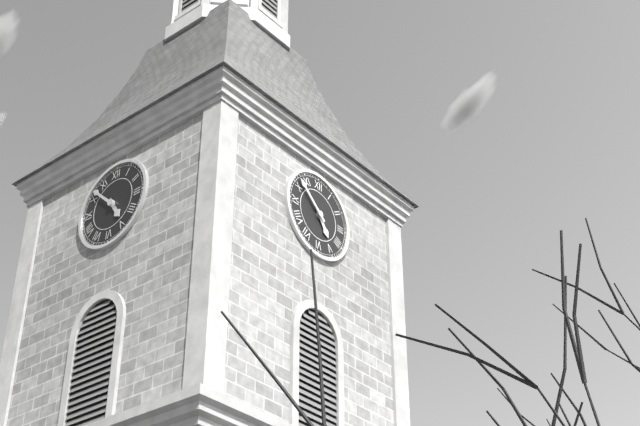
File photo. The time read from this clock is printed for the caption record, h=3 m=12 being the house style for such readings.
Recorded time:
h=4 m=52
